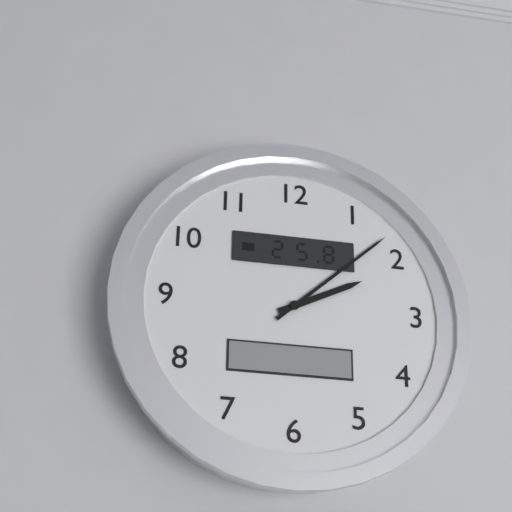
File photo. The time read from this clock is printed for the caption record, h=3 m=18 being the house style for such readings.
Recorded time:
h=2 m=8
